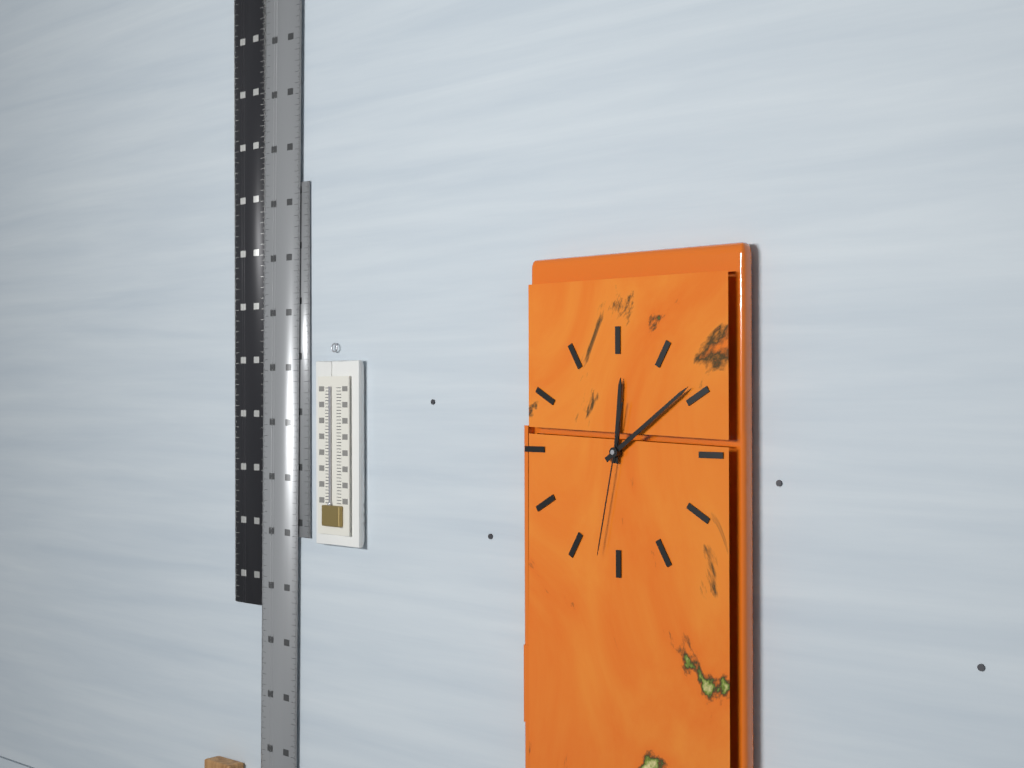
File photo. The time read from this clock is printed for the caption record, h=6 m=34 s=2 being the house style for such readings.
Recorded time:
h=12 m=9 s=32
